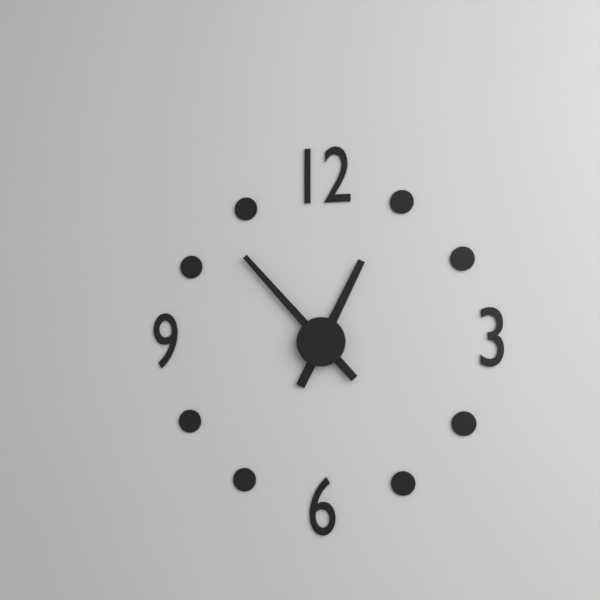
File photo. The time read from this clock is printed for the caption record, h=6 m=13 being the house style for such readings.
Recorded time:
h=12 m=53
